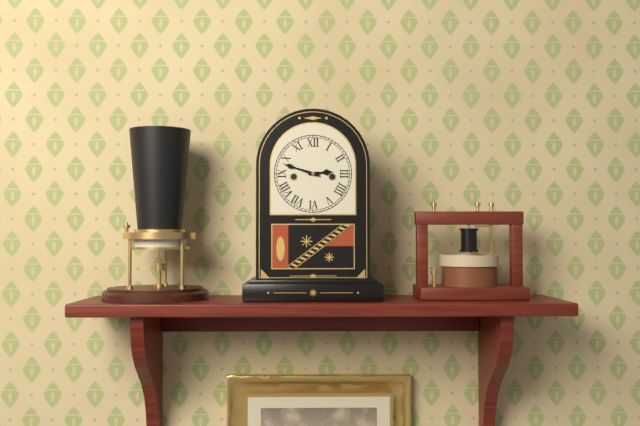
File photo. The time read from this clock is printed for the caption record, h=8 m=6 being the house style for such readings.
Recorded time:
h=2 m=48
